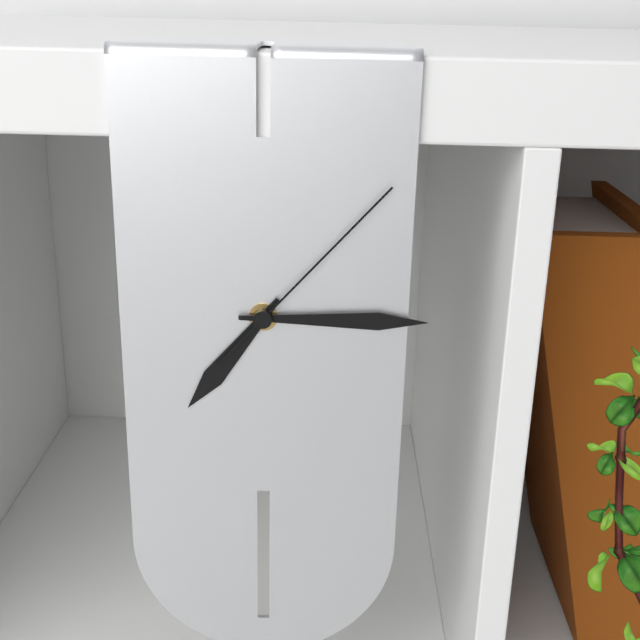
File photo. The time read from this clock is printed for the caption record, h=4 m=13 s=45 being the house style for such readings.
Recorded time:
h=7 m=15 s=7
